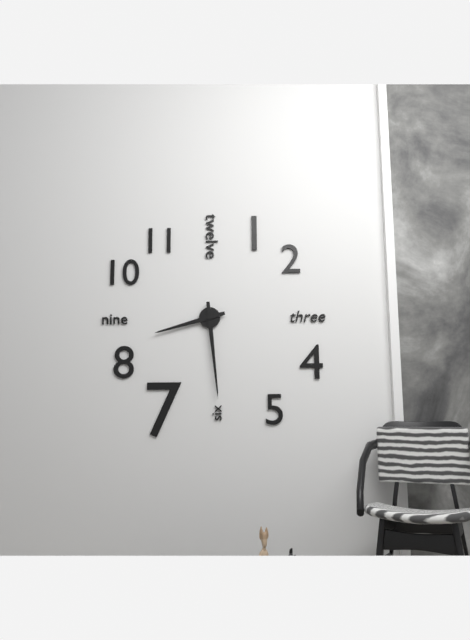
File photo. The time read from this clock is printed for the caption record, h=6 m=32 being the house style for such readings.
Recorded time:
h=8 m=29
